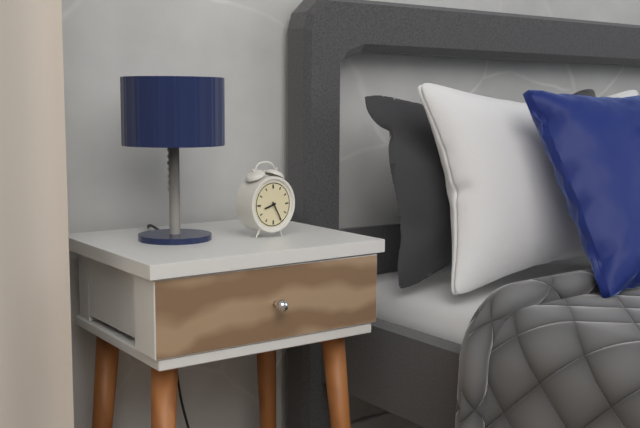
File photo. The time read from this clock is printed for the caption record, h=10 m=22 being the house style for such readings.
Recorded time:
h=8 m=25
